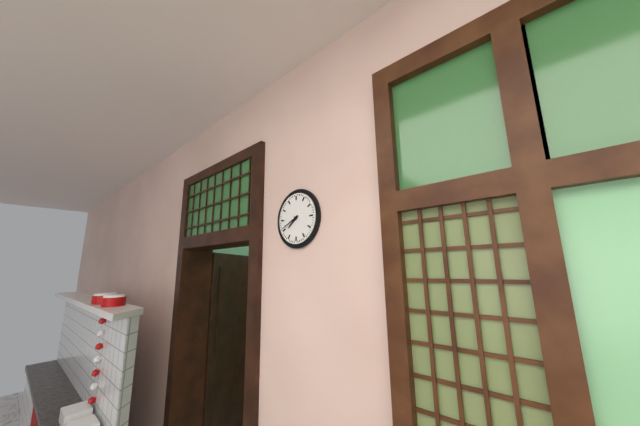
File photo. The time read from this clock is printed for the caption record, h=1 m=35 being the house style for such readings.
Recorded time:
h=7 m=41
